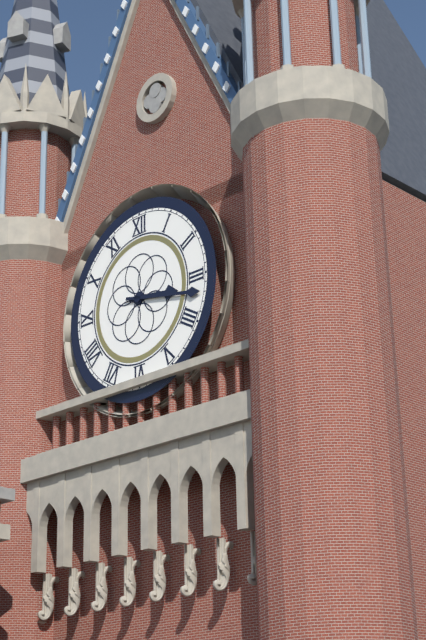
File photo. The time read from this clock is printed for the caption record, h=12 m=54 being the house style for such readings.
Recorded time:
h=3 m=17
